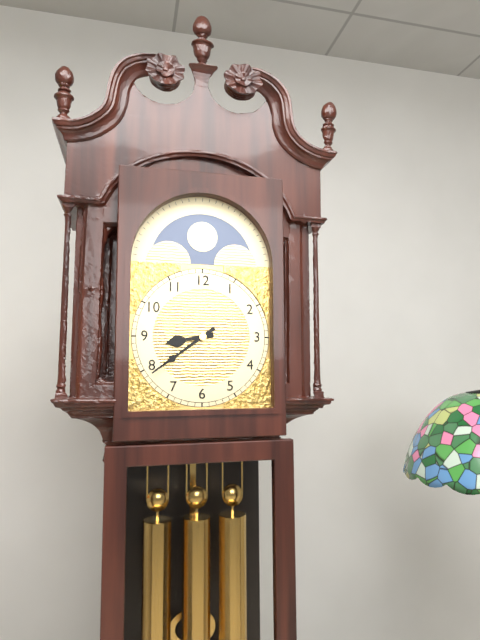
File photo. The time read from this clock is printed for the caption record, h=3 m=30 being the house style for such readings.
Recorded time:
h=8 m=39
